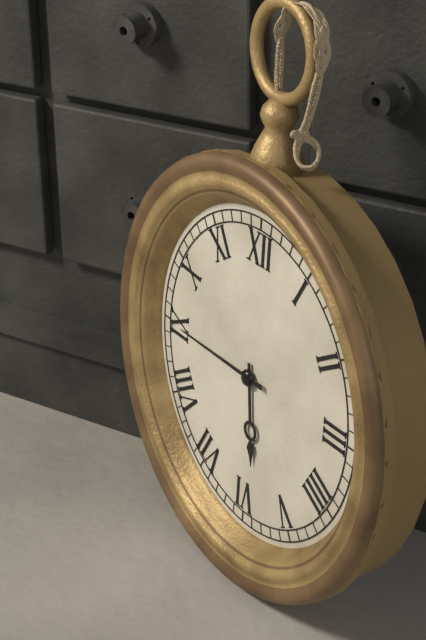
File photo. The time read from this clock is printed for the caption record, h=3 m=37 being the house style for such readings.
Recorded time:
h=5 m=45
